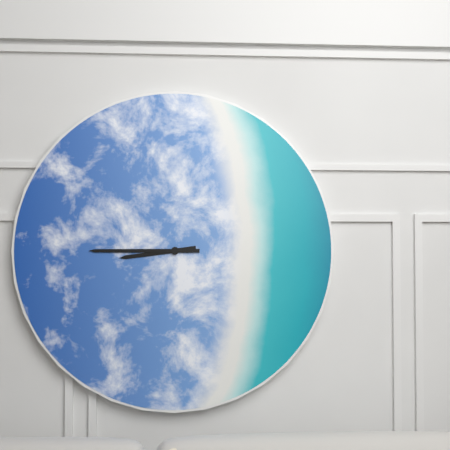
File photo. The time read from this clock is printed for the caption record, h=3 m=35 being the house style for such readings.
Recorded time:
h=8 m=45
